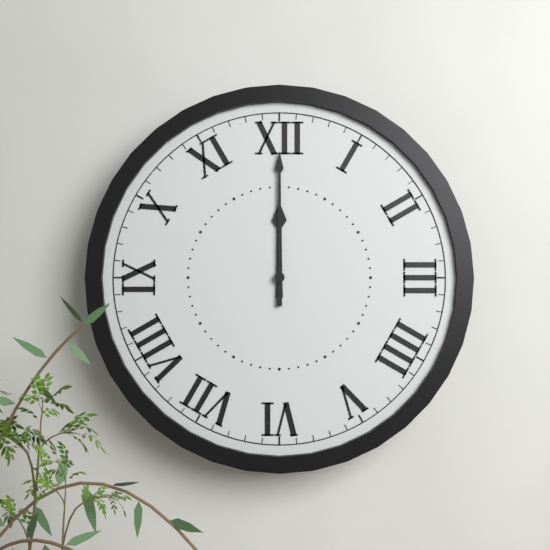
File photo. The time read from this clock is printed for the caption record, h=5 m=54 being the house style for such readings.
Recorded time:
h=12 m=0
